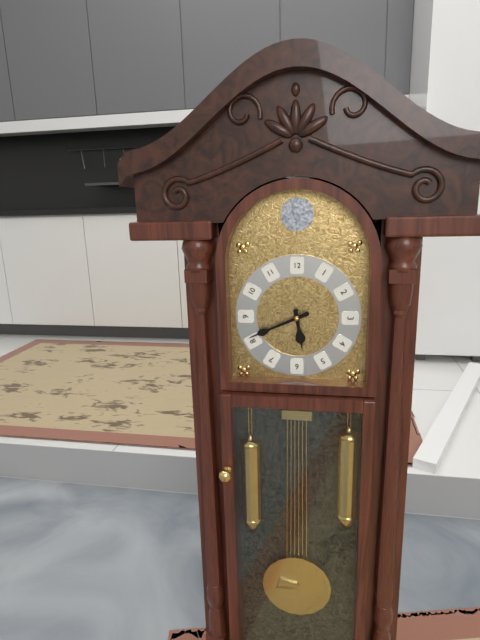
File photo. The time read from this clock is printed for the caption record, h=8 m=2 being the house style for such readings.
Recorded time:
h=5 m=41
